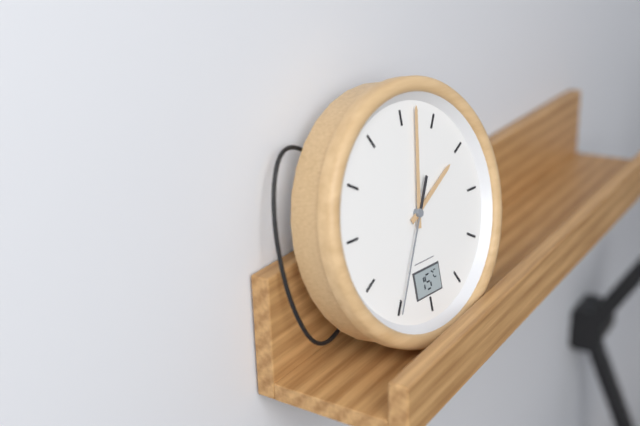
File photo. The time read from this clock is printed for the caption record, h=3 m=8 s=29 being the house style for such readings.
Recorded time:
h=2 m=2 s=35
